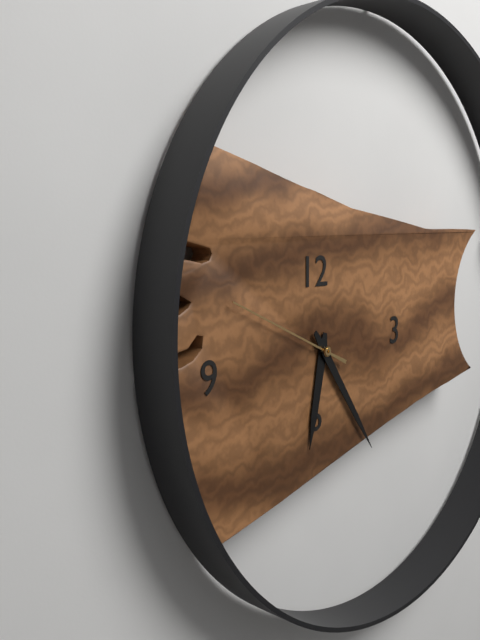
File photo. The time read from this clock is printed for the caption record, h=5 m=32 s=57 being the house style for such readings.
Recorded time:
h=6 m=24 s=49
